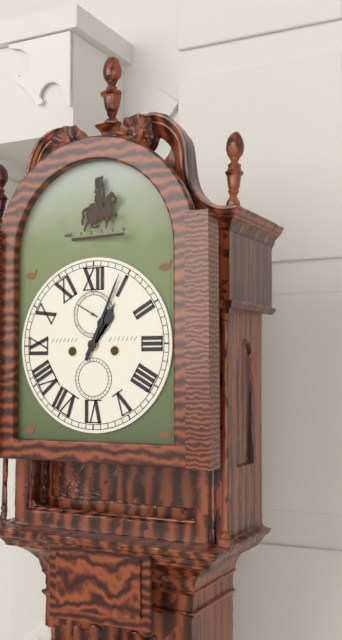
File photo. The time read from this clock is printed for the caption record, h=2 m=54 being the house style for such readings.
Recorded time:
h=1 m=4
